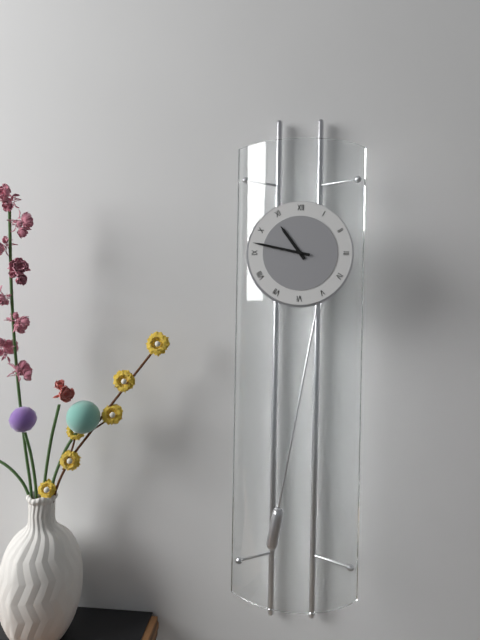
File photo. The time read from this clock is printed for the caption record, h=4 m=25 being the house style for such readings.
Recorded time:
h=10 m=47
